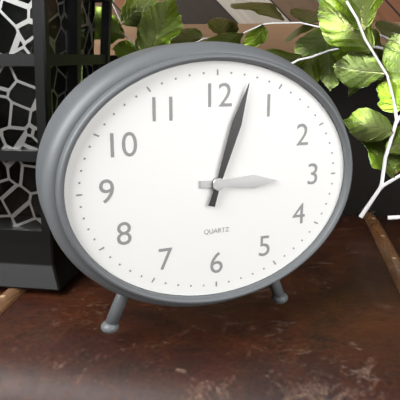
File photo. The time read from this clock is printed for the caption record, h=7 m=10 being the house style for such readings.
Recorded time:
h=3 m=3
